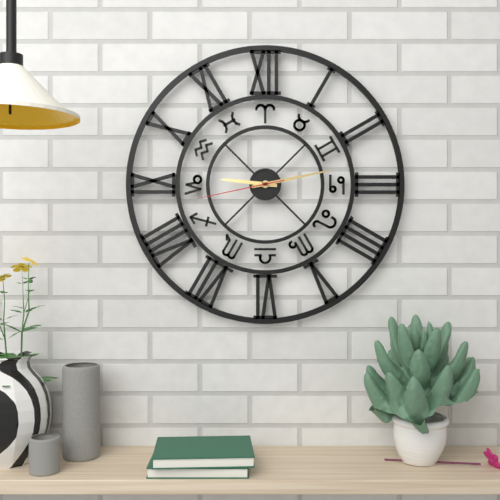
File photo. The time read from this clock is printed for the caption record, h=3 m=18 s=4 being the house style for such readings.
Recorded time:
h=9 m=13 s=43
